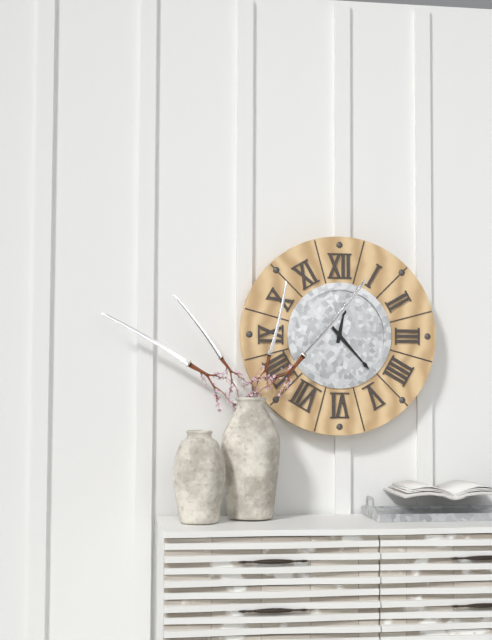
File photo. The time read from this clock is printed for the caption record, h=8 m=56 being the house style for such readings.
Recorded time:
h=12 m=23
